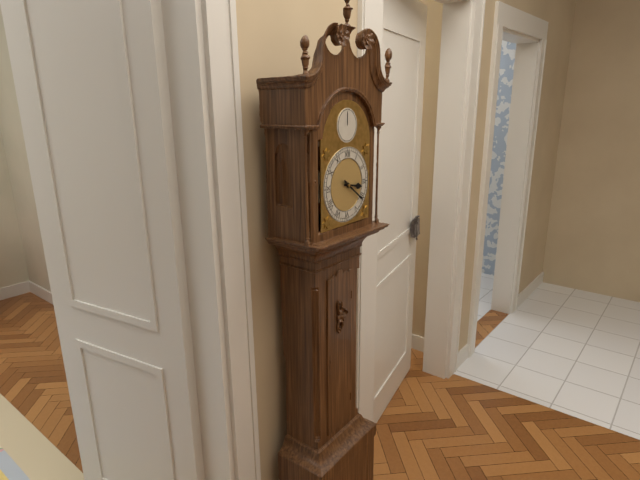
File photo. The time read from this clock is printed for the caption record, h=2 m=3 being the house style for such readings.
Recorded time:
h=3 m=21
